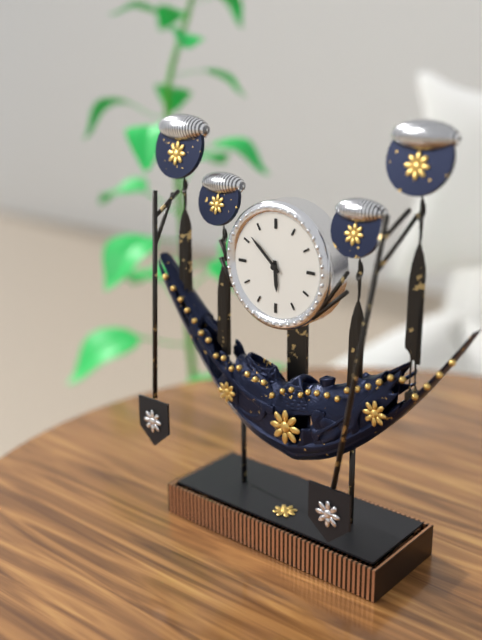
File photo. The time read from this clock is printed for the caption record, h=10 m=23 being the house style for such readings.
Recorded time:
h=5 m=52
